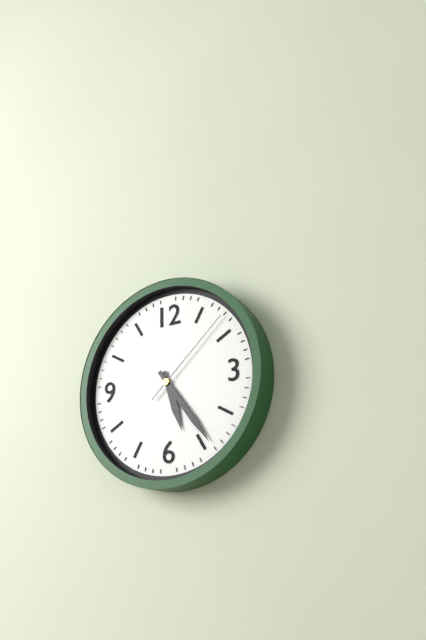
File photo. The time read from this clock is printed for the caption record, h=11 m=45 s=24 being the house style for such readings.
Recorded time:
h=5 m=24 s=8
